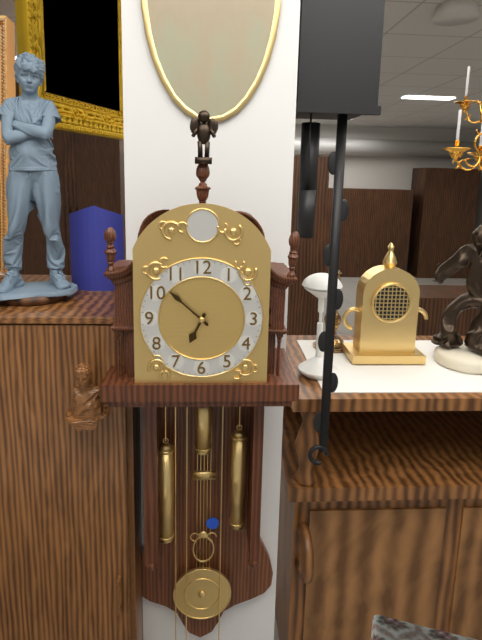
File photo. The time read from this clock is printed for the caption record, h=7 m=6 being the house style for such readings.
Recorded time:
h=6 m=52
